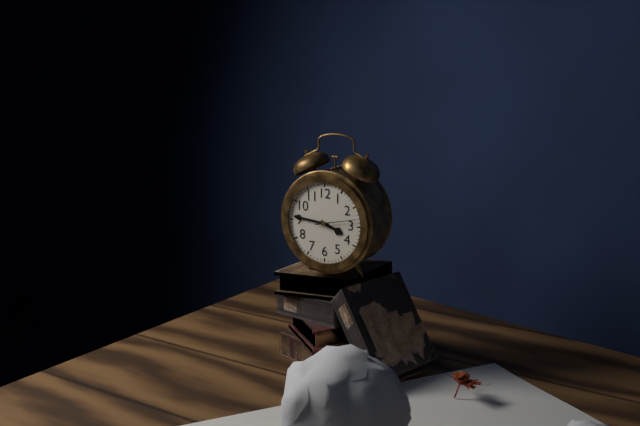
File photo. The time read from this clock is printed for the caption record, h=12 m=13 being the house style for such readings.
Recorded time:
h=3 m=46
